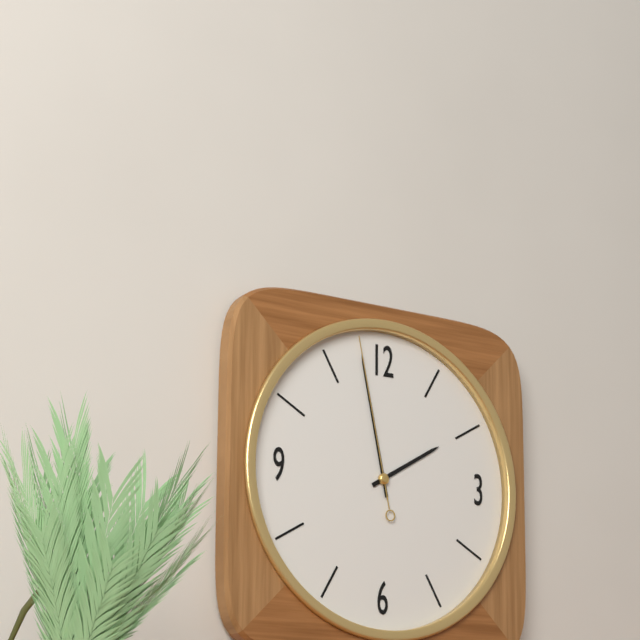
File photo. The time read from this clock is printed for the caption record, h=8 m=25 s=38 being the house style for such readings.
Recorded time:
h=1 m=58 s=58
